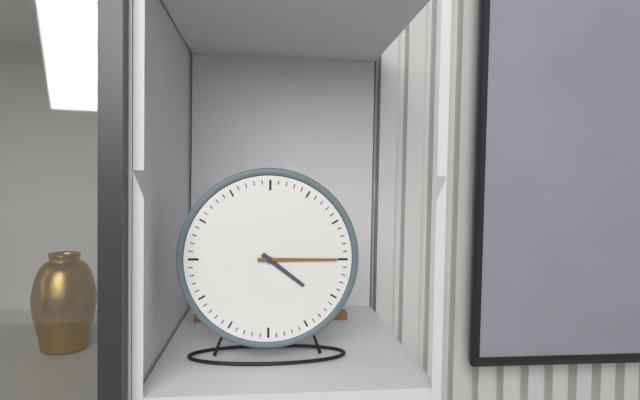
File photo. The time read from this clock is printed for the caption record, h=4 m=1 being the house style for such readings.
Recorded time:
h=4 m=15
